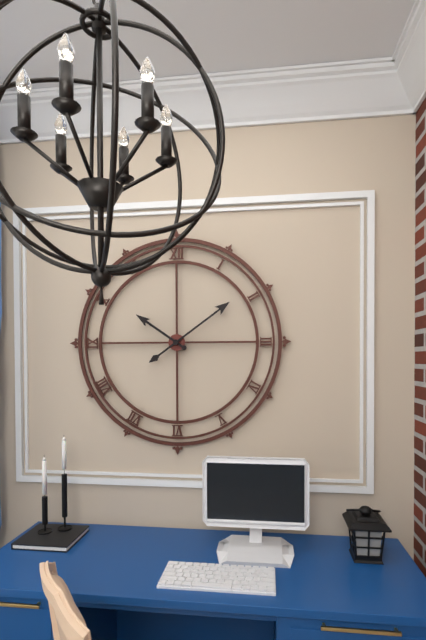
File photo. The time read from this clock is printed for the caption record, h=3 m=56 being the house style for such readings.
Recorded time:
h=10 m=9
